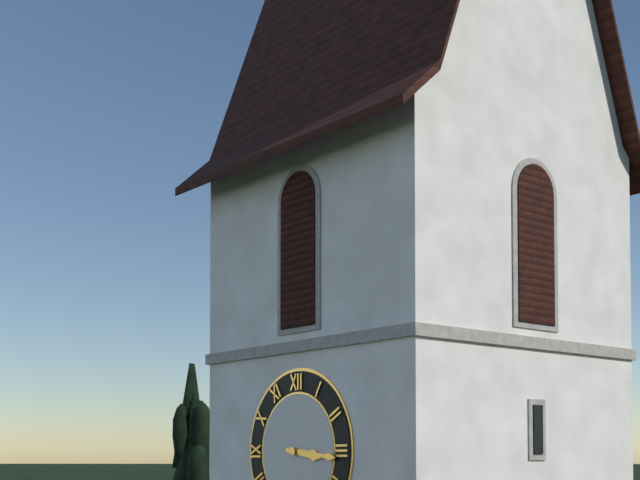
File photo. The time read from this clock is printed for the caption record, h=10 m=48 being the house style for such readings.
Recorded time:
h=3 m=16
